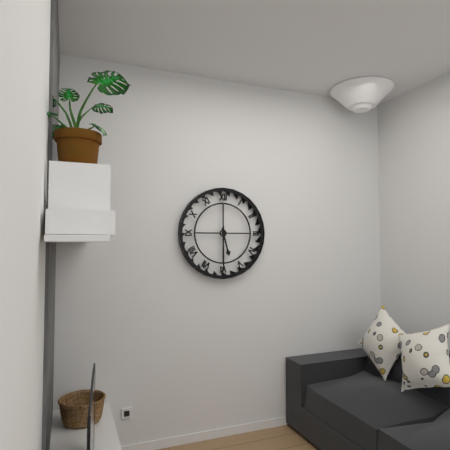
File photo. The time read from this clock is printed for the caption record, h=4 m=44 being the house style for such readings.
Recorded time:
h=5 m=30
